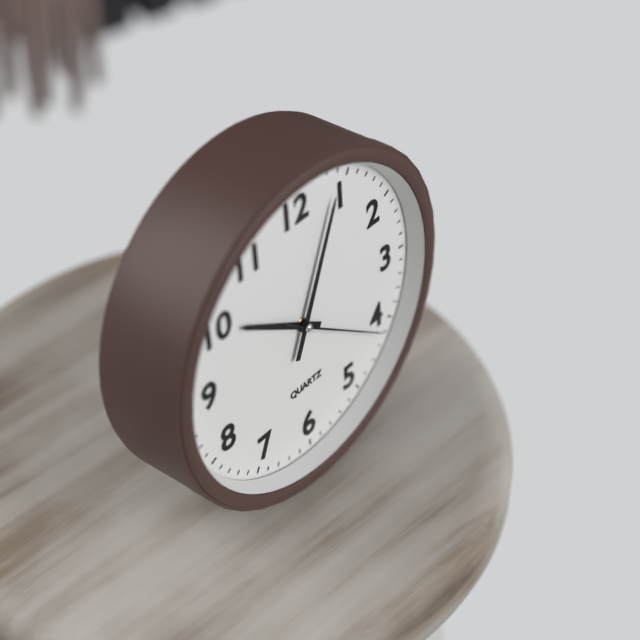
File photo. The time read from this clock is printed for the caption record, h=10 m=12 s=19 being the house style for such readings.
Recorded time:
h=10 m=4 s=21
